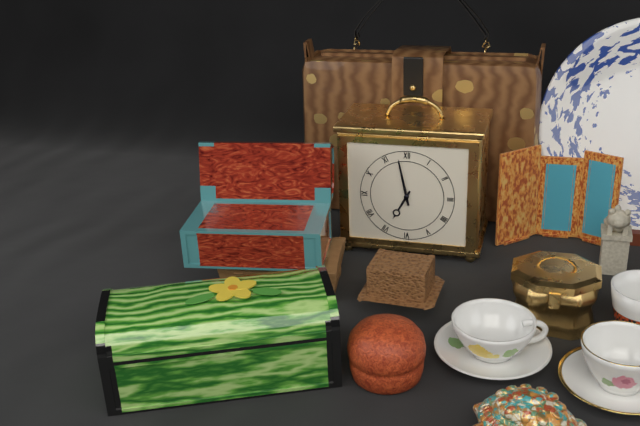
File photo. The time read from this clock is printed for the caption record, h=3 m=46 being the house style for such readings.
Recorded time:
h=6 m=58
